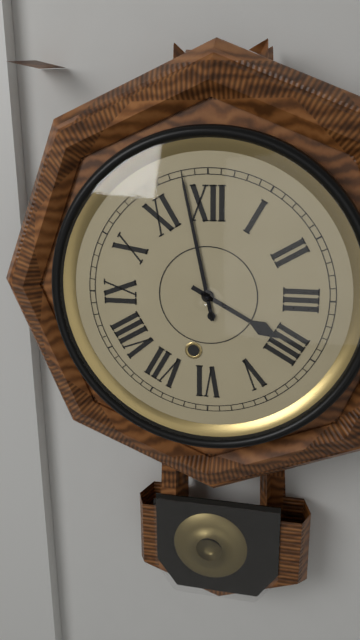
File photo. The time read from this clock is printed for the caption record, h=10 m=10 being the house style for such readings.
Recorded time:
h=3 m=58
